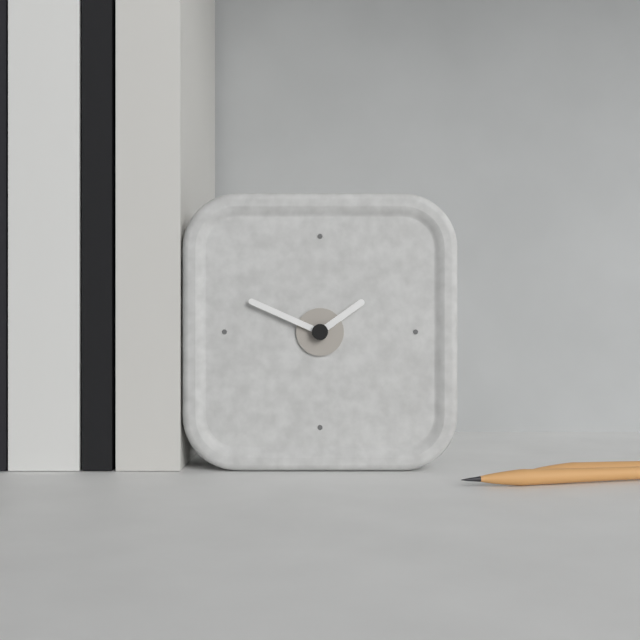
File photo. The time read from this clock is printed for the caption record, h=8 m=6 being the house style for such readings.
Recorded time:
h=1 m=49
